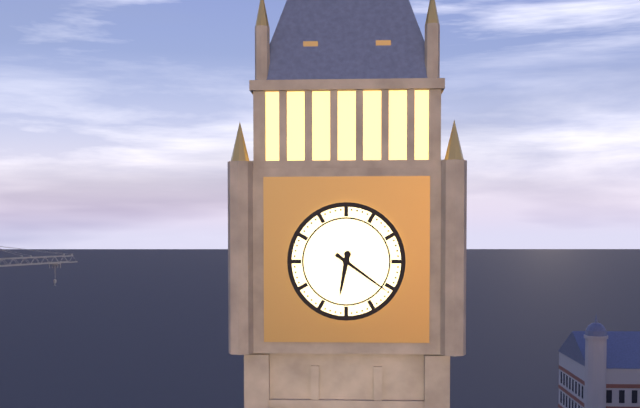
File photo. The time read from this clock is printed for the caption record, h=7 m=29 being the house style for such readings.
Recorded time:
h=6 m=21
